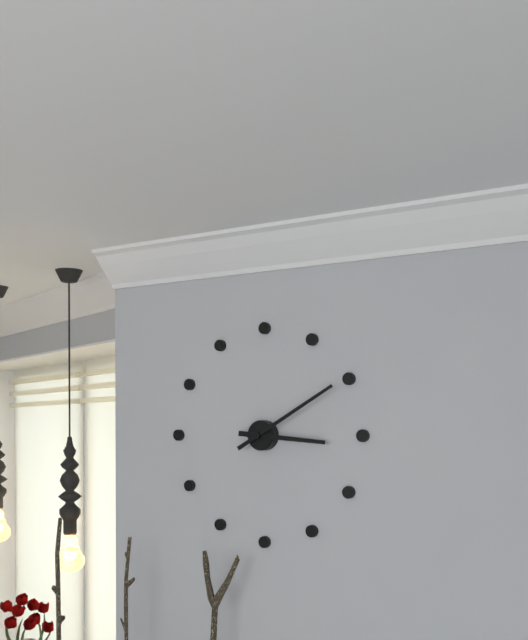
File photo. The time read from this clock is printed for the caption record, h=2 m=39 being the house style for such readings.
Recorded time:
h=3 m=10
